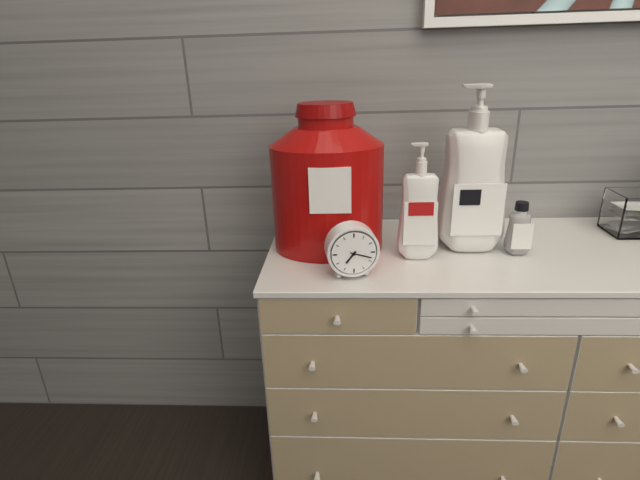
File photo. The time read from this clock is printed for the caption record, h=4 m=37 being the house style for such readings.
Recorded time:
h=7 m=18
